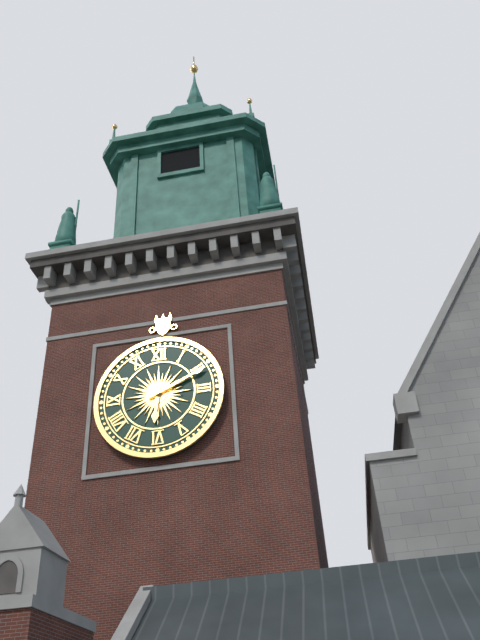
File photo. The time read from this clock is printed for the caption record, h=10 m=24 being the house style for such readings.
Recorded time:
h=6 m=11
